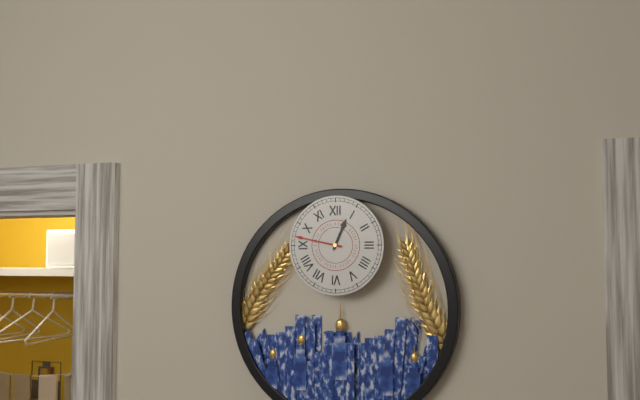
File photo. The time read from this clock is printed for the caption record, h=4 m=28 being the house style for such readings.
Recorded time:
h=12 m=47
